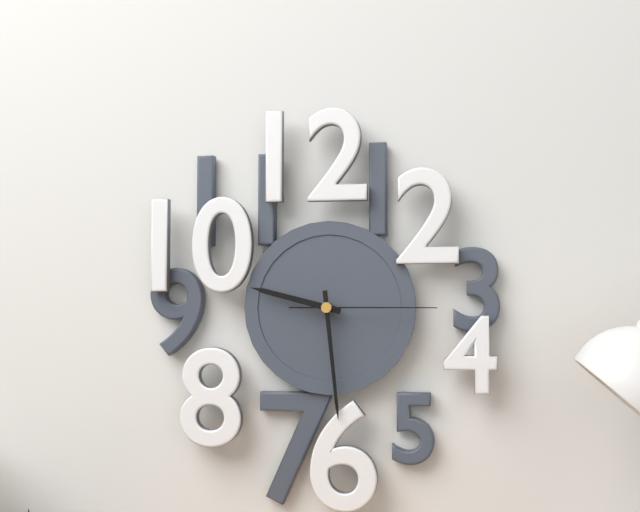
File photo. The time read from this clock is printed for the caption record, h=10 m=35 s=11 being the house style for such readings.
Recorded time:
h=9 m=29 s=15
